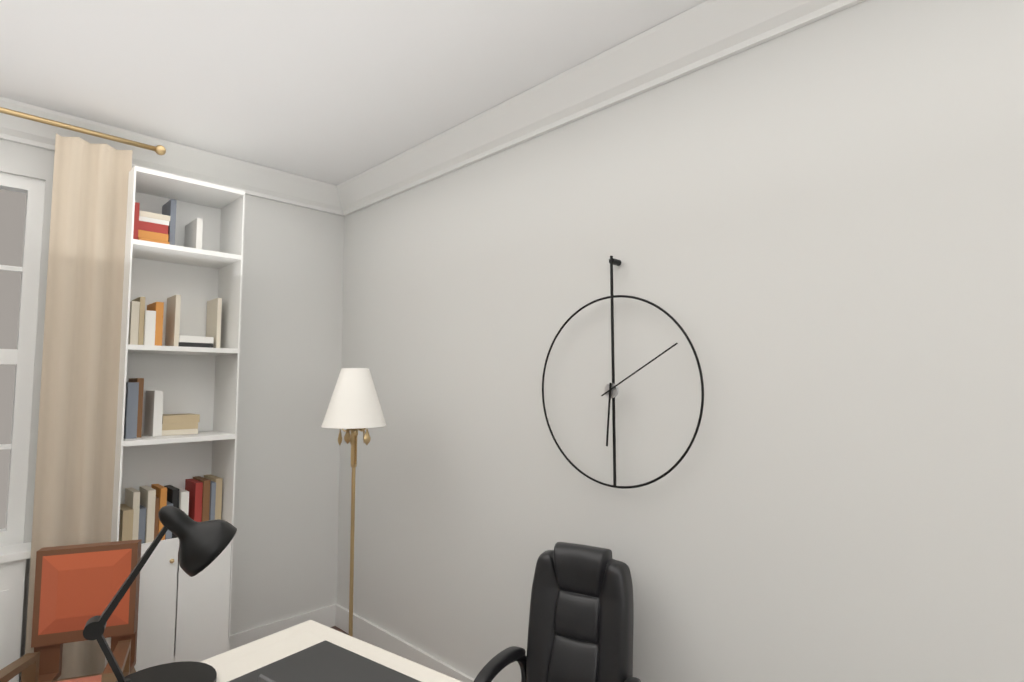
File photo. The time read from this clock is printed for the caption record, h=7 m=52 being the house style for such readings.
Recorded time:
h=6 m=10
